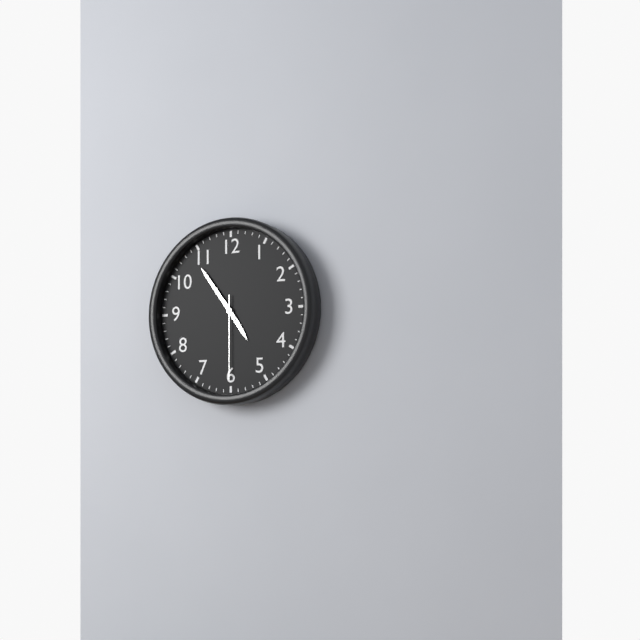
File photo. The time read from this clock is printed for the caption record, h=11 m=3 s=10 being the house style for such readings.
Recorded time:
h=4 m=54 s=30
